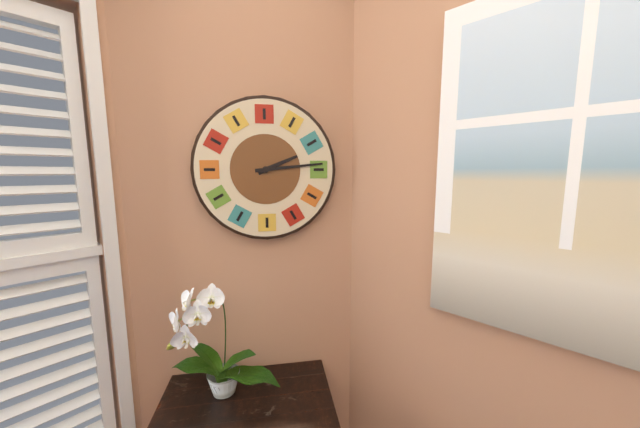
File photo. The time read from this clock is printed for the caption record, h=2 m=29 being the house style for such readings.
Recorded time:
h=2 m=14
